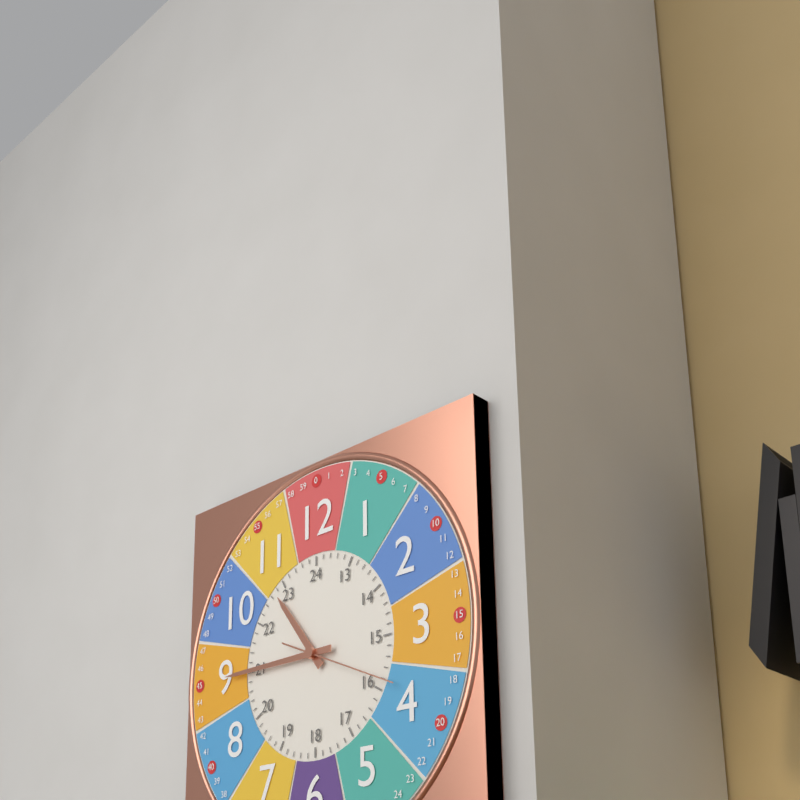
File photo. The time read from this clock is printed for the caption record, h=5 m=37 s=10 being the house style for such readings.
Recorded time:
h=10 m=45 s=19
